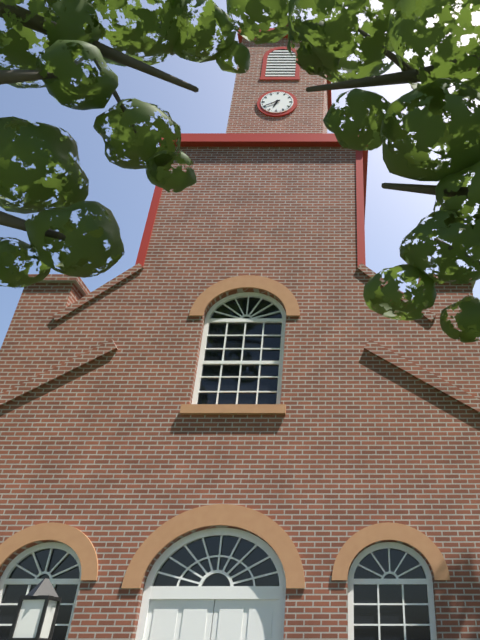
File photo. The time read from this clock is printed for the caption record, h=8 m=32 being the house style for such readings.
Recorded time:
h=6 m=40
